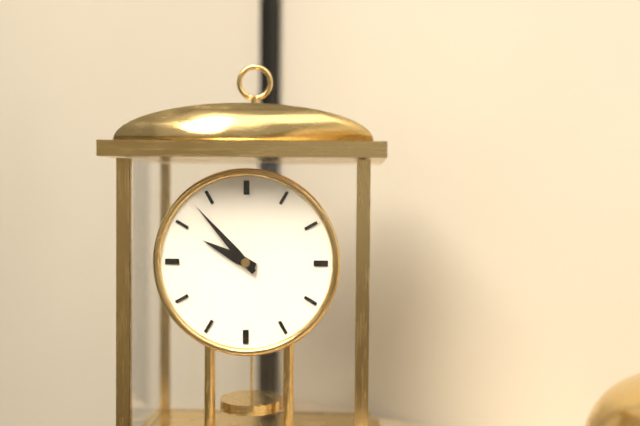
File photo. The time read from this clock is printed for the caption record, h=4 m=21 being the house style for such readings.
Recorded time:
h=9 m=53
